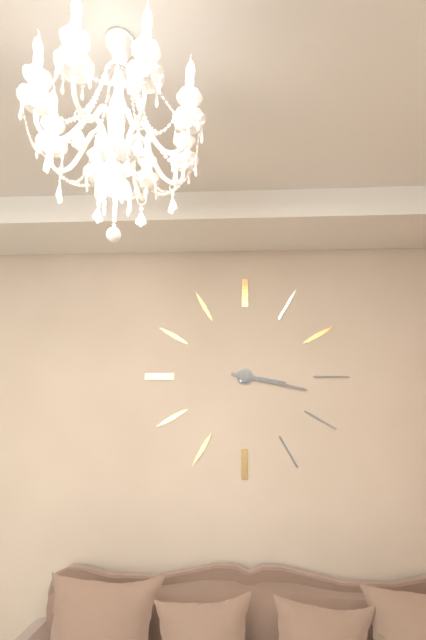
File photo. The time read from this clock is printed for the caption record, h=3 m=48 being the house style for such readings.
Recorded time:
h=3 m=17
